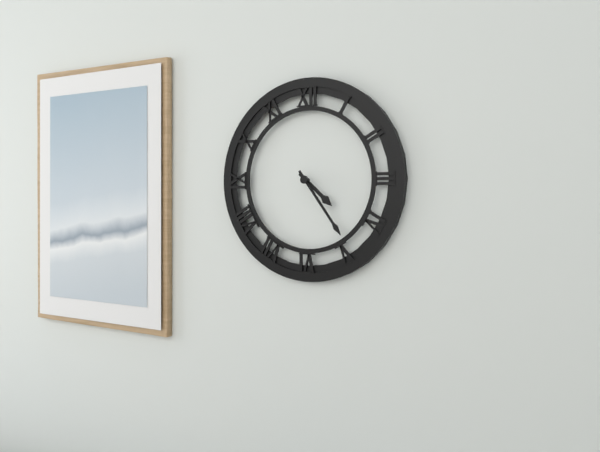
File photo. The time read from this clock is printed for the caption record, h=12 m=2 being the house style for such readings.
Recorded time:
h=4 m=24
